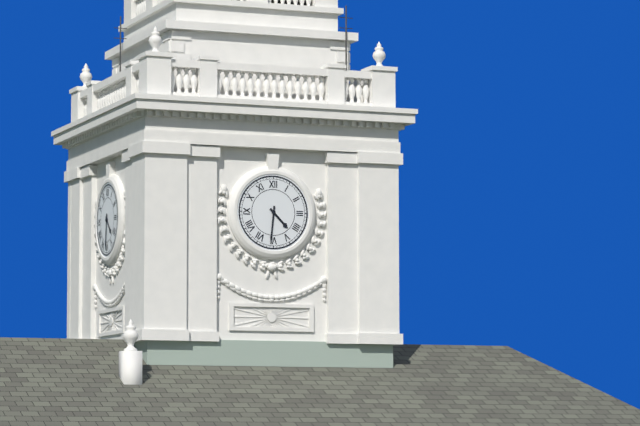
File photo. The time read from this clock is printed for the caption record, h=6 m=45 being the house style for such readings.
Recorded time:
h=4 m=31
